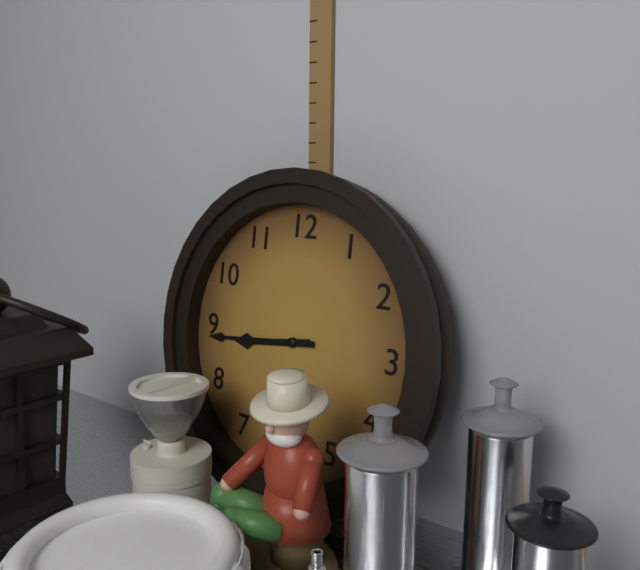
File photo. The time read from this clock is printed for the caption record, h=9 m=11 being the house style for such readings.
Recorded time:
h=8 m=44
